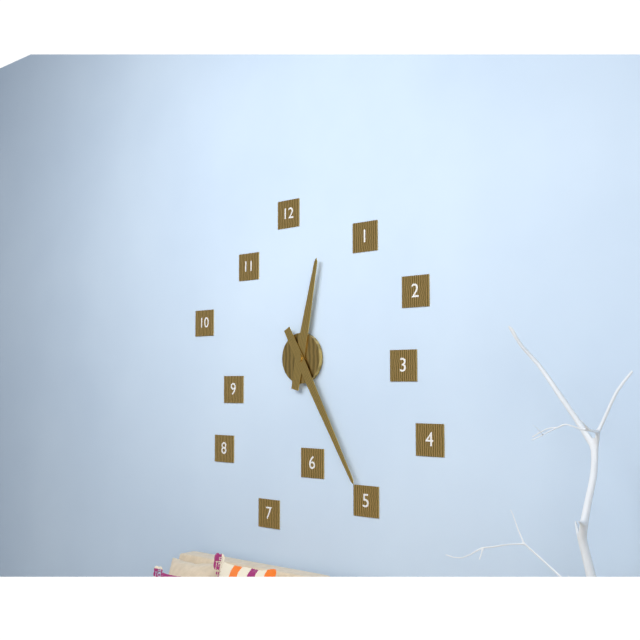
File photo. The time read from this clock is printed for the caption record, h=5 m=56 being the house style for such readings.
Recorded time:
h=12 m=25
